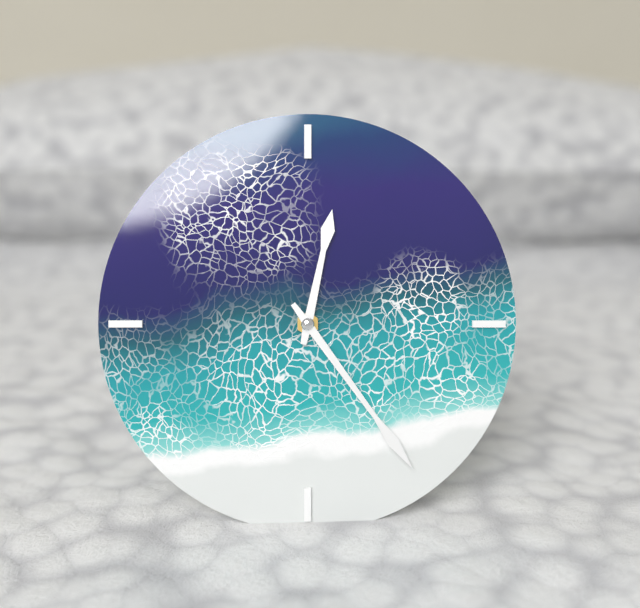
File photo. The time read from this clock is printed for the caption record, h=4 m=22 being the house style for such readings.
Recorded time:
h=12 m=24
